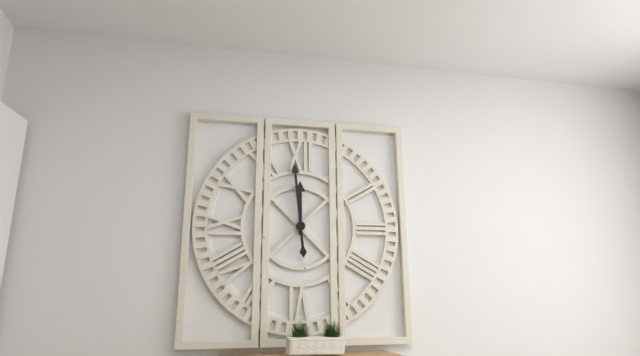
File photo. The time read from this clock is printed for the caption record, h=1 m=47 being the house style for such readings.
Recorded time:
h=11 m=59
